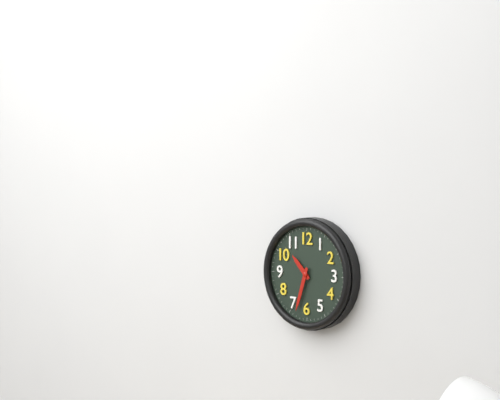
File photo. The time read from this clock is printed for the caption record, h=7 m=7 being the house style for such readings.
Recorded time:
h=10 m=33
